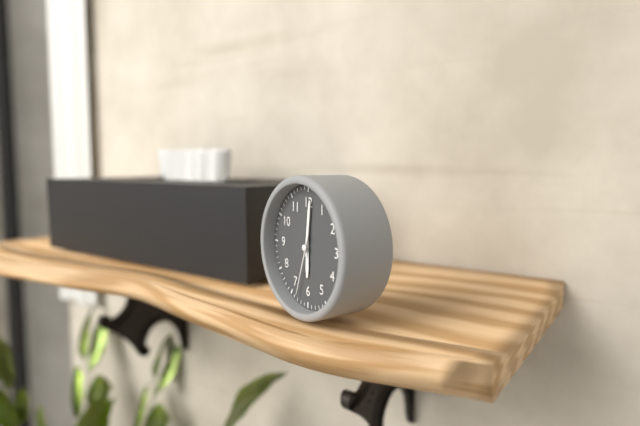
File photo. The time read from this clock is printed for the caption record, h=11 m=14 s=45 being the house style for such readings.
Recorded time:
h=6 m=1 s=33
